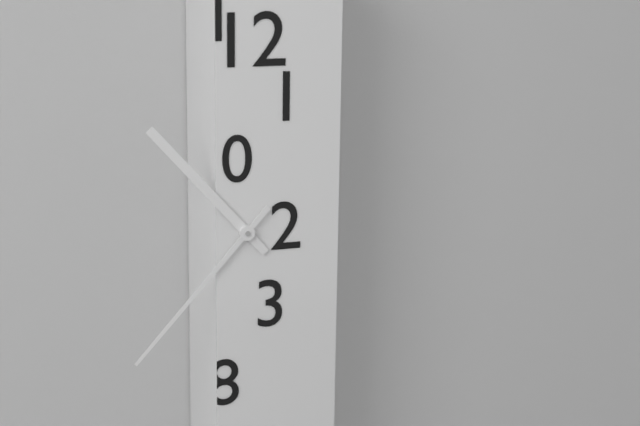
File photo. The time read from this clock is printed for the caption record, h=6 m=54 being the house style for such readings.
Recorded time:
h=10 m=37
